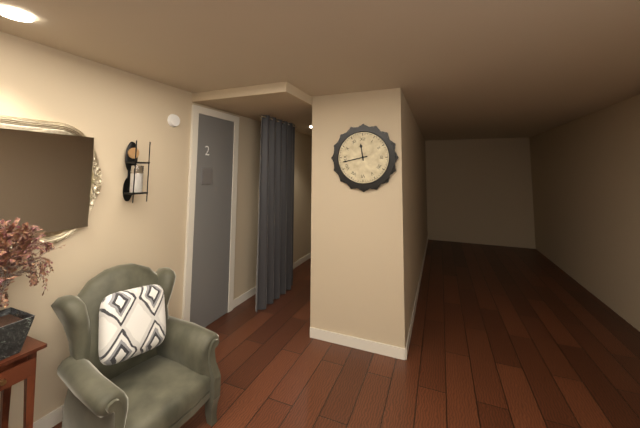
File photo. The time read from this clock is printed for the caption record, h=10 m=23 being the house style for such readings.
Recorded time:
h=11 m=43
